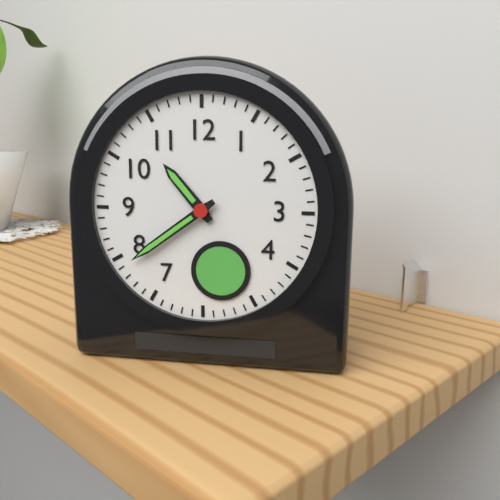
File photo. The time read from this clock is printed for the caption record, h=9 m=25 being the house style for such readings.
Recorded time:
h=10 m=39
